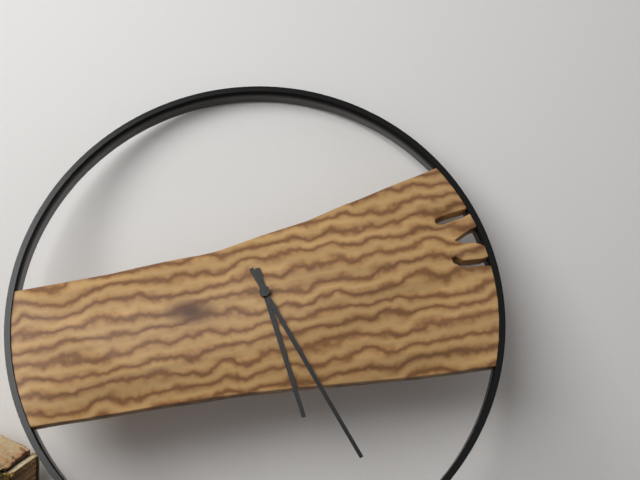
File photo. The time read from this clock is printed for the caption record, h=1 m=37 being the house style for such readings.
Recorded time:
h=5 m=25
